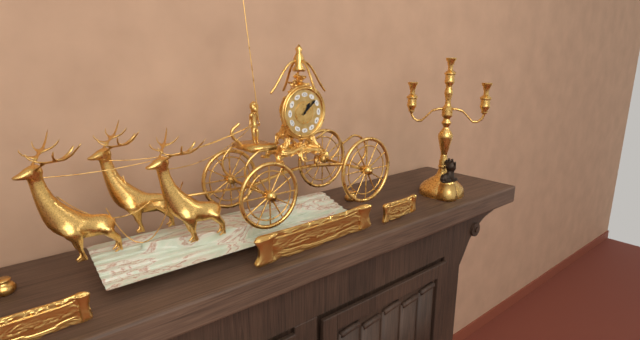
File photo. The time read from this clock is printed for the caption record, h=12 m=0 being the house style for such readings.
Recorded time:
h=1 m=8
